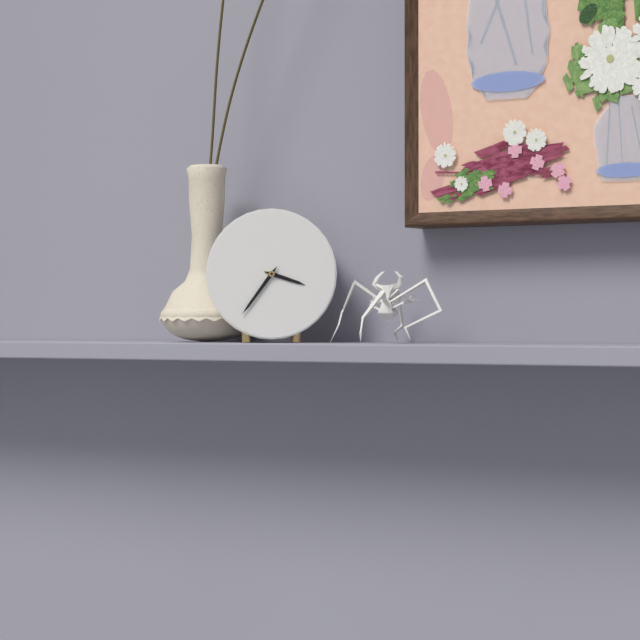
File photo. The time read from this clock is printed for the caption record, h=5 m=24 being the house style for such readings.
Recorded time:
h=3 m=36
